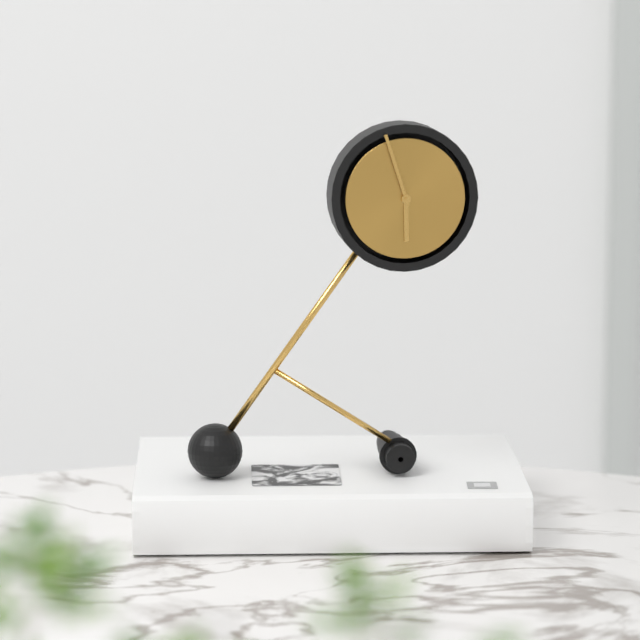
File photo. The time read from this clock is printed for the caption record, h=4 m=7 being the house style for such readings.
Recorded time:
h=5 m=57
